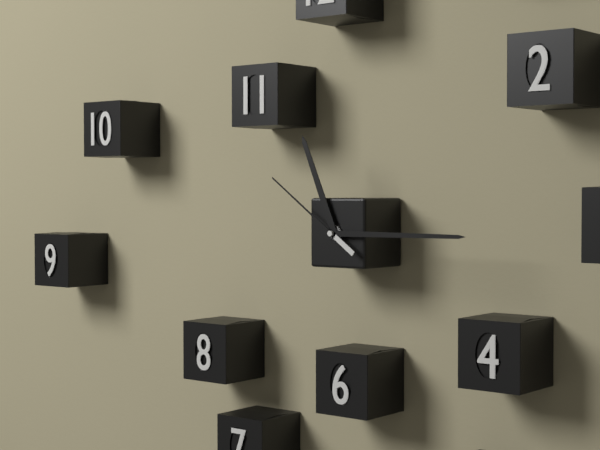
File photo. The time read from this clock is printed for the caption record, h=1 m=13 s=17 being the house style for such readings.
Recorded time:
h=11 m=15 s=51
